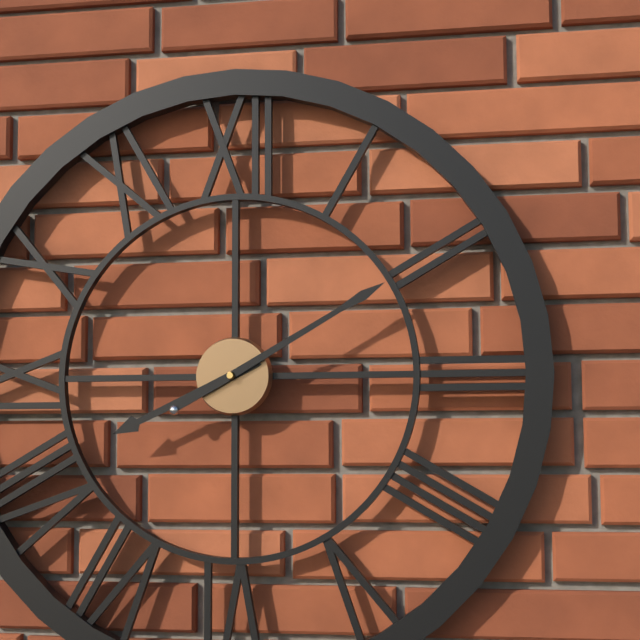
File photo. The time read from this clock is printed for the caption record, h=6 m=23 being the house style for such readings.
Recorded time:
h=8 m=10
